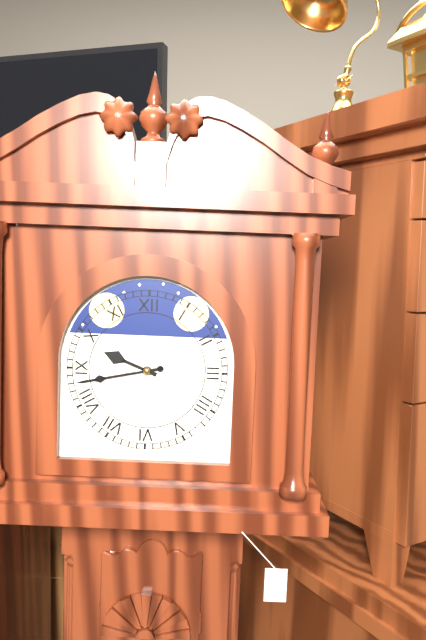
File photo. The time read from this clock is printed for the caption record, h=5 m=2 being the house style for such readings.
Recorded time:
h=9 m=43
